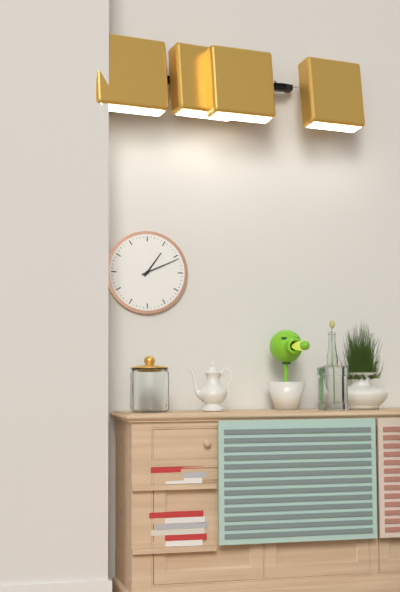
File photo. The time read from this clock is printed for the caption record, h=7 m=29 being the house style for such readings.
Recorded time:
h=1 m=11
